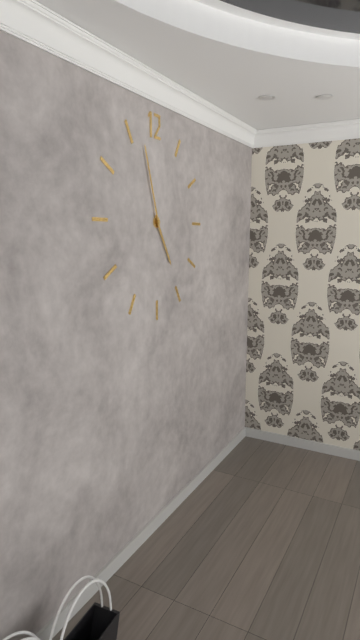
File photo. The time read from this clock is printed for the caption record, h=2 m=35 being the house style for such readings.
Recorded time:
h=4 m=57
